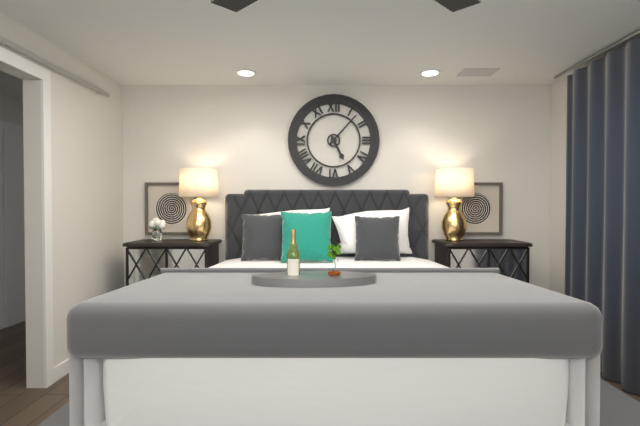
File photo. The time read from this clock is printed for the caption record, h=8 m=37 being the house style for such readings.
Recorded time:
h=5 m=7
